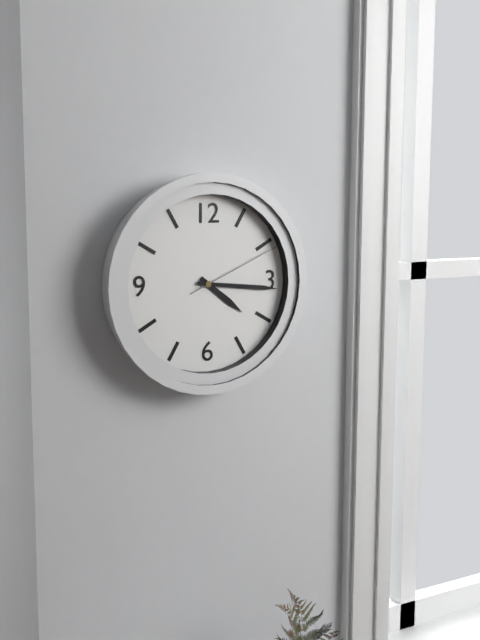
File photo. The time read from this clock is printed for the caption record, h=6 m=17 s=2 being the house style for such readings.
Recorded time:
h=4 m=16 s=11
